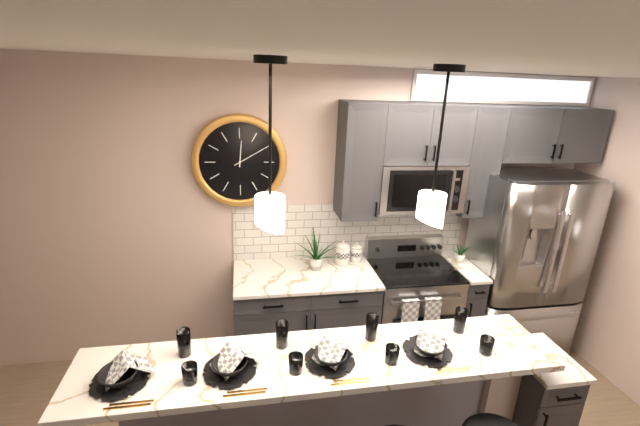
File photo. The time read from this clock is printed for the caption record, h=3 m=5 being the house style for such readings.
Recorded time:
h=12 m=10
